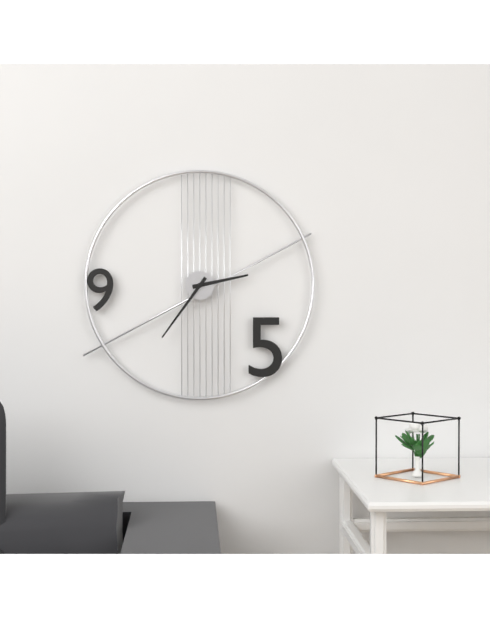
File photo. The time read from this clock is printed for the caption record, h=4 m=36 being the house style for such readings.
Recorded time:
h=2 m=36
